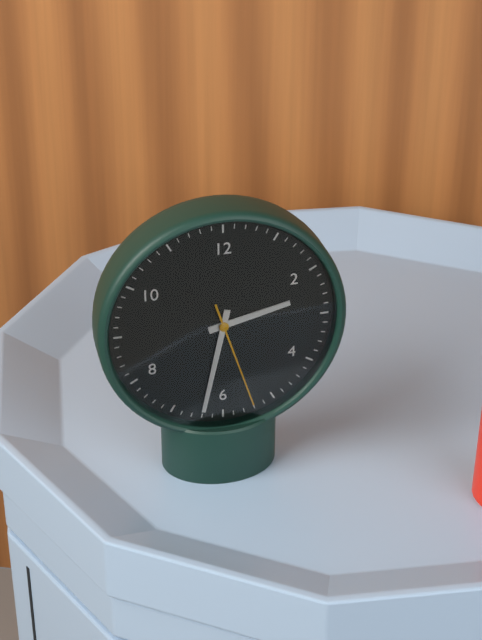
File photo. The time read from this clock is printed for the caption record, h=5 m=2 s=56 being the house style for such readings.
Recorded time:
h=2 m=32 s=27
